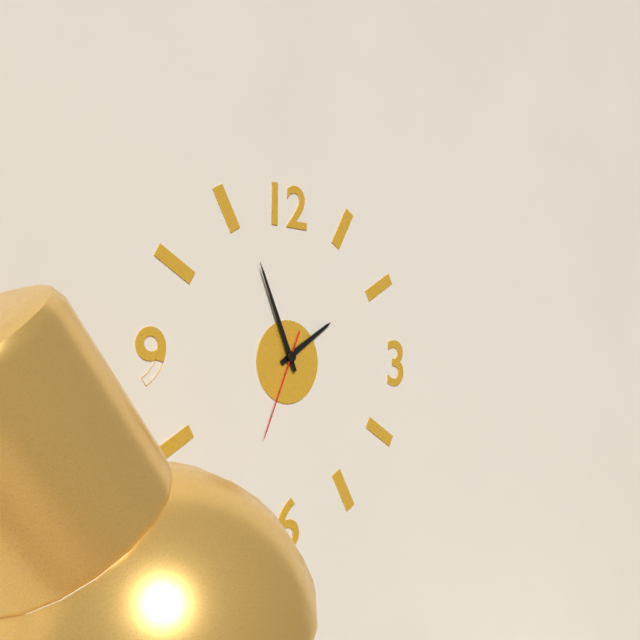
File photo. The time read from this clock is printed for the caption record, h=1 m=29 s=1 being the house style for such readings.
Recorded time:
h=1 m=56 s=34
